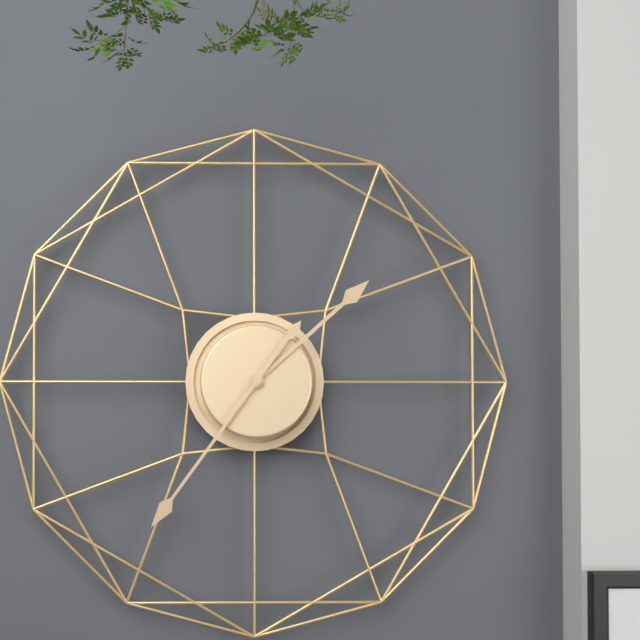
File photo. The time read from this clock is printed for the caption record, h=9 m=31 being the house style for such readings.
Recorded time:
h=1 m=36
